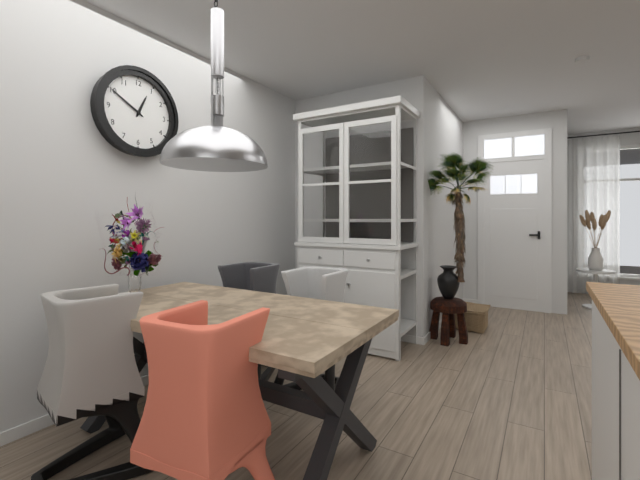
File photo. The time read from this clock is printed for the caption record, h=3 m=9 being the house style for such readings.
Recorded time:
h=12 m=50
